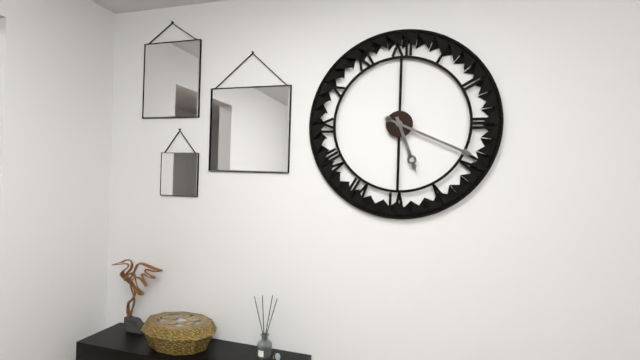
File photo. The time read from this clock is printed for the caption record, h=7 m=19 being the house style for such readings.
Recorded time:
h=5 m=19
